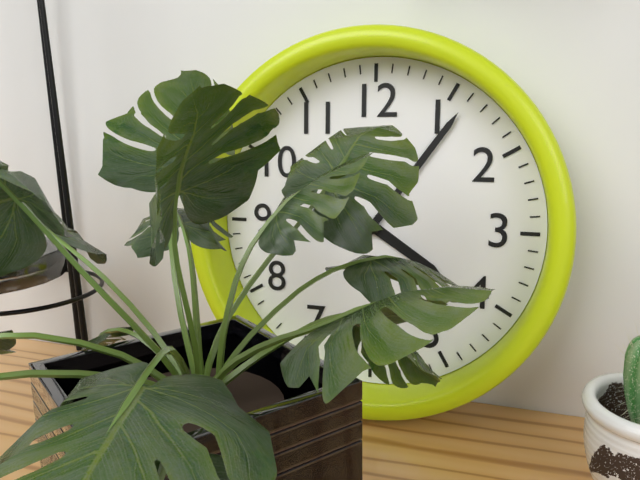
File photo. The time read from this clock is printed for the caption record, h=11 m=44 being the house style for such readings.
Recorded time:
h=4 m=6
